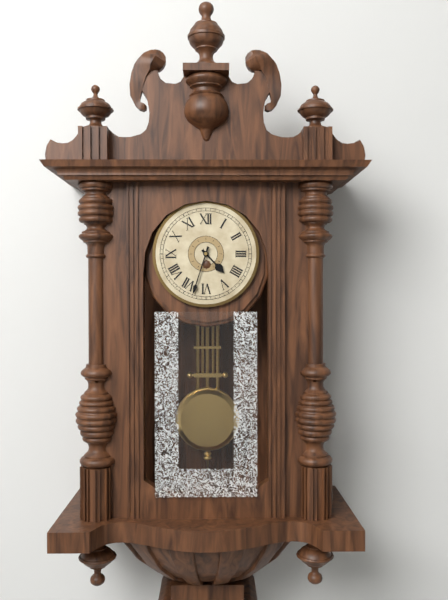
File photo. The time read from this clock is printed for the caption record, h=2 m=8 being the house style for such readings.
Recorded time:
h=4 m=33
